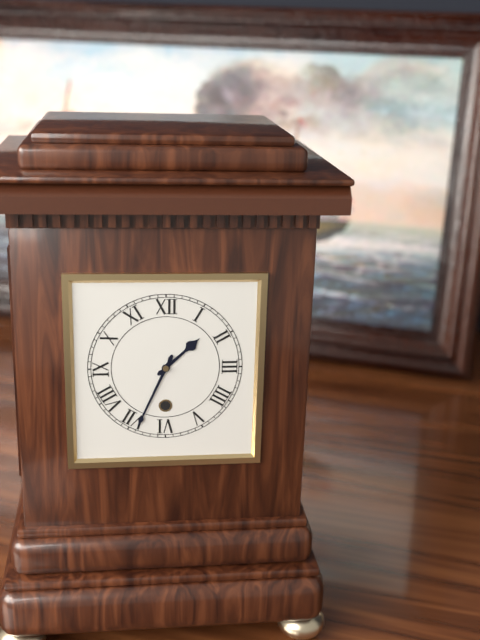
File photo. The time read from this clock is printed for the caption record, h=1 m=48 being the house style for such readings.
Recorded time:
h=1 m=34
